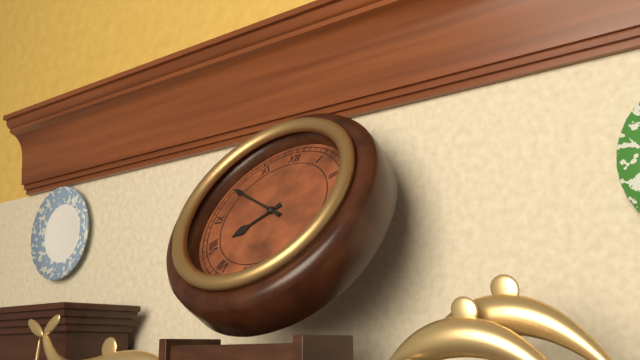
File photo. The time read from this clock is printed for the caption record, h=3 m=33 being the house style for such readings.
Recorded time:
h=7 m=50
